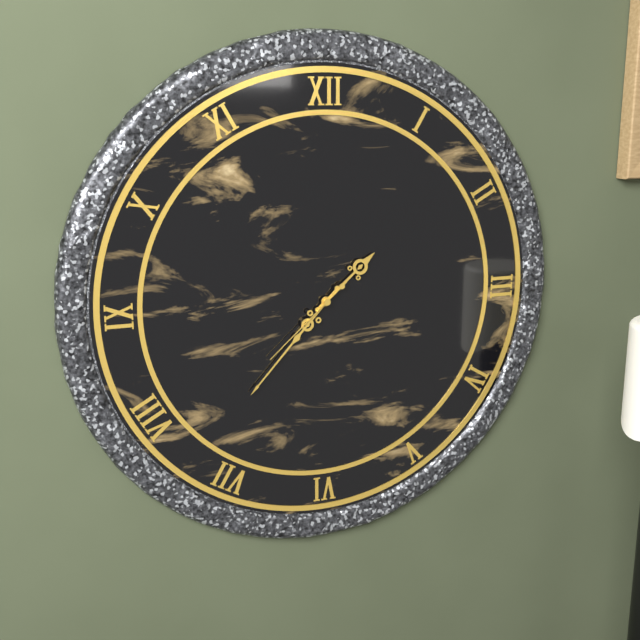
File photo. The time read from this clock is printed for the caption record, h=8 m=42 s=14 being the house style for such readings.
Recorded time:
h=1 m=37 s=38
